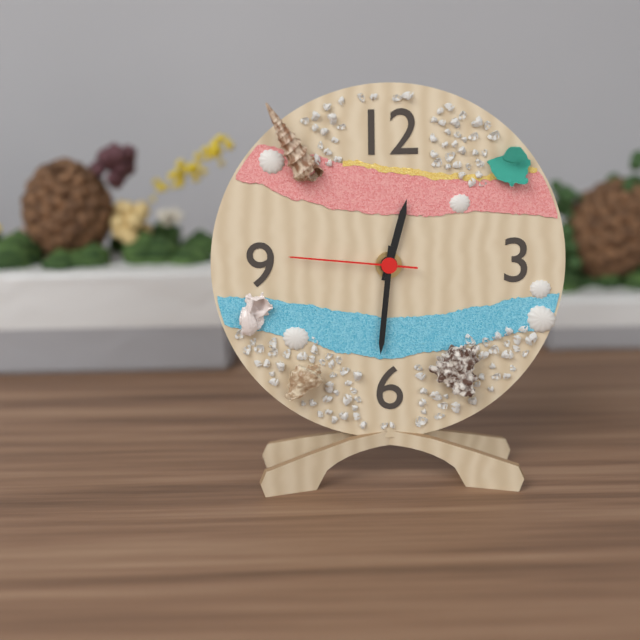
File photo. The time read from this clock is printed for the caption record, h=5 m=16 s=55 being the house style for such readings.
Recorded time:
h=12 m=31 s=46
